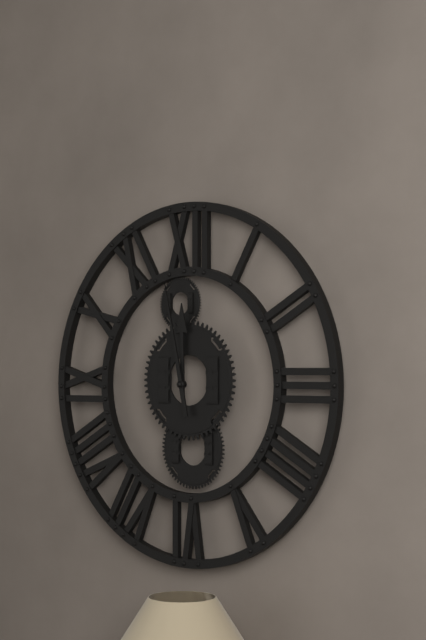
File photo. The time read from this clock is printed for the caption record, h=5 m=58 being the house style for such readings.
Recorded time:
h=11 m=58
